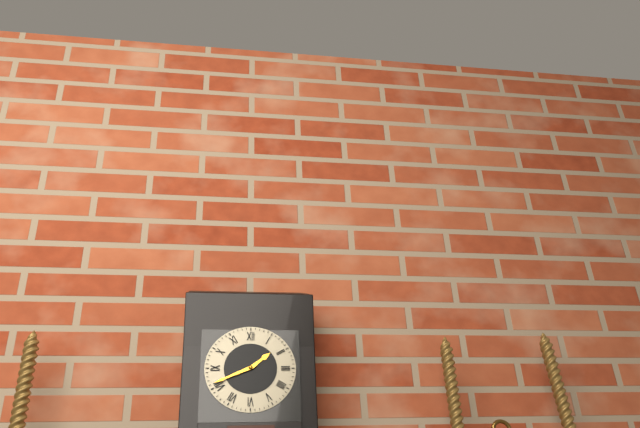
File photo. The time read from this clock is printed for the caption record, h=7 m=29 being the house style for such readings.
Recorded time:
h=1 m=41
